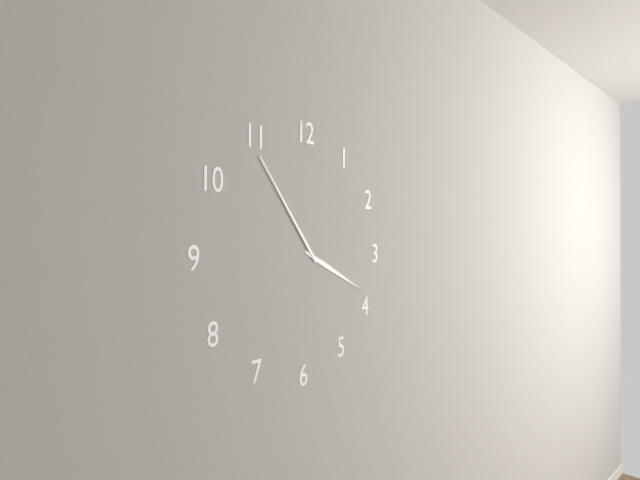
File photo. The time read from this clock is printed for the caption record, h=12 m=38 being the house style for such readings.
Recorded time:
h=3 m=54
